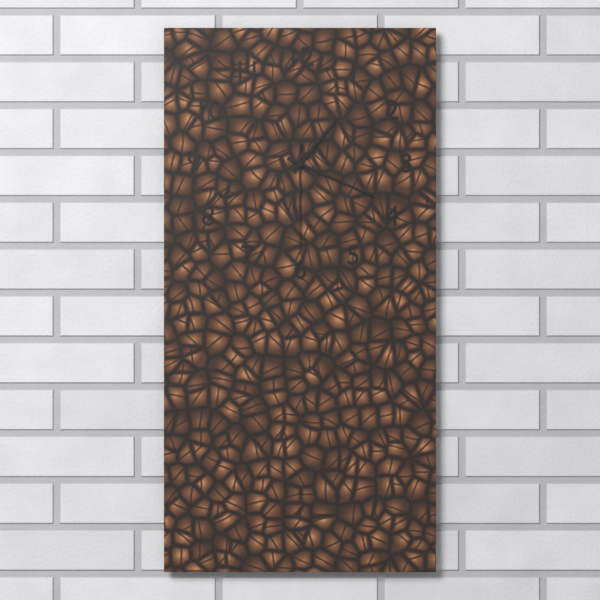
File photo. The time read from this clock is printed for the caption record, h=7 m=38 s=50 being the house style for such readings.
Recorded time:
h=1 m=19 s=30
